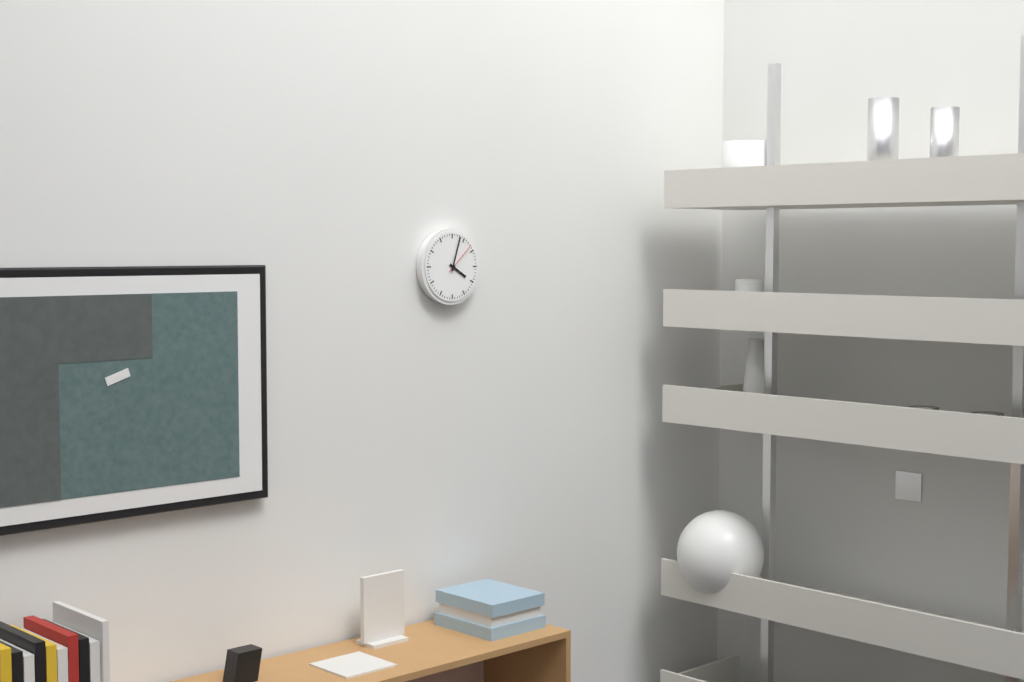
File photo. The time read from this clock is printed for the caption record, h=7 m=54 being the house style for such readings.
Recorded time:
h=4 m=3
